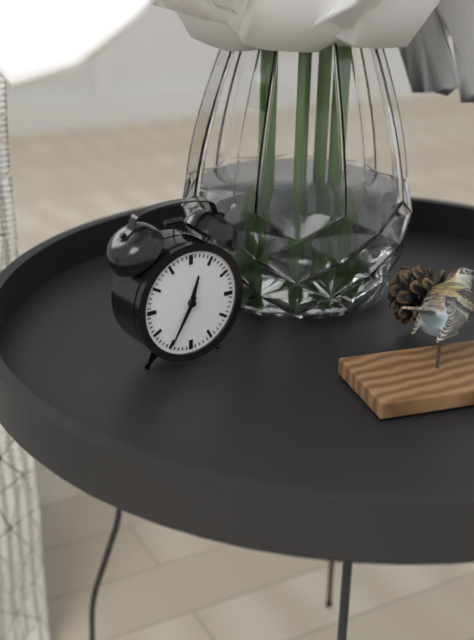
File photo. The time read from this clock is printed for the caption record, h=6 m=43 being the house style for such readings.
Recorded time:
h=12 m=35
